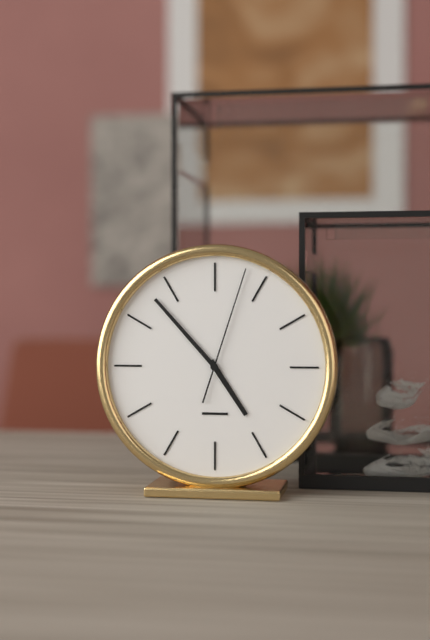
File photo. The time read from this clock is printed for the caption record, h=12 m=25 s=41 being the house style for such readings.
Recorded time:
h=4 m=53 s=3
